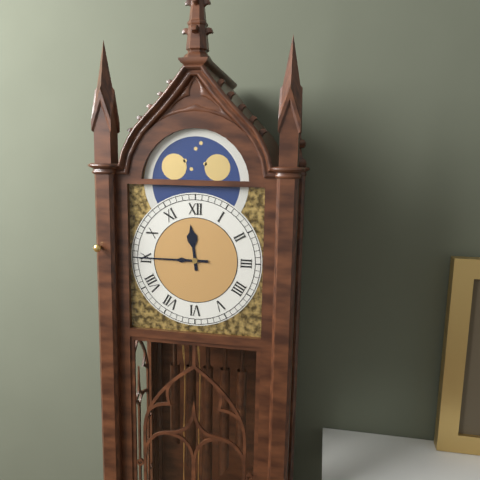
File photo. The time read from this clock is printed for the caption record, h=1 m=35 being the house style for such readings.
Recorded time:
h=11 m=45
